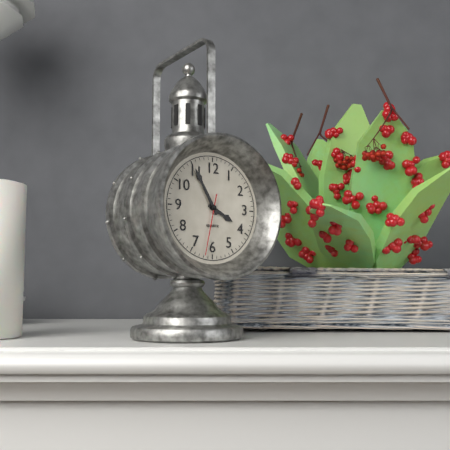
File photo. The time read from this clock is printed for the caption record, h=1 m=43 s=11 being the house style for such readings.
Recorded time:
h=3 m=55 s=32
